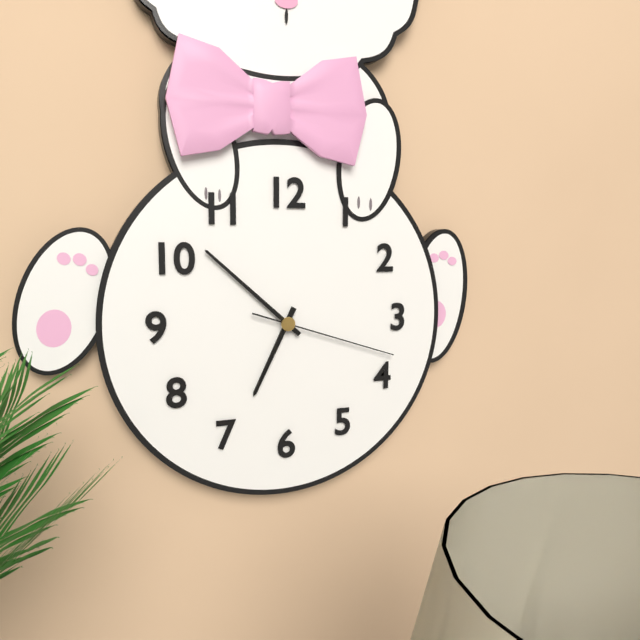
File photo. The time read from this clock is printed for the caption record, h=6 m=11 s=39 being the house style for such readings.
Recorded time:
h=6 m=52 s=18
